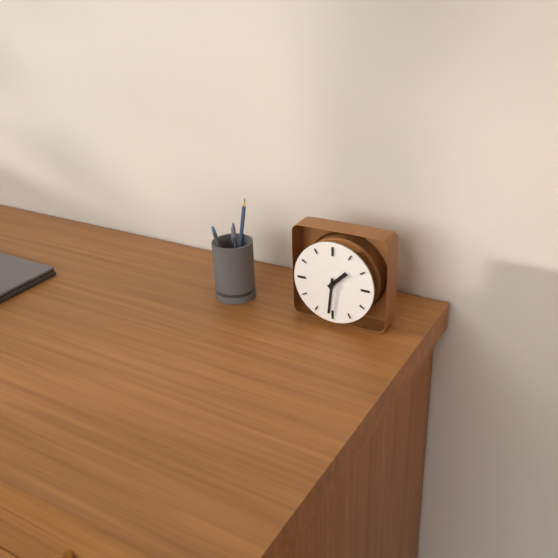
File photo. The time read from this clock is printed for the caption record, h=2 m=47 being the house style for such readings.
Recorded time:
h=1 m=31
